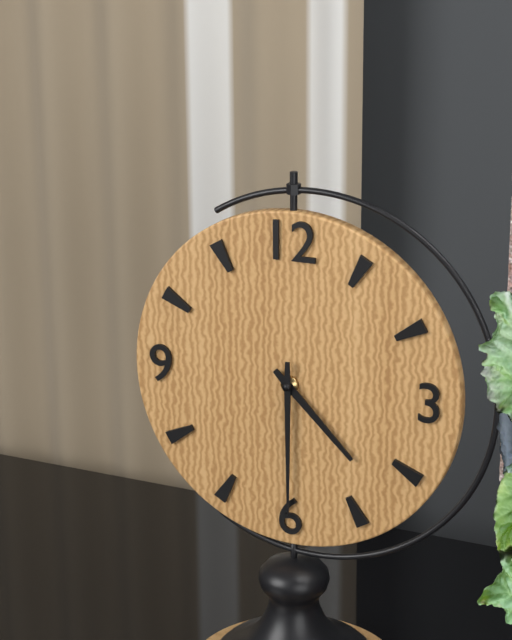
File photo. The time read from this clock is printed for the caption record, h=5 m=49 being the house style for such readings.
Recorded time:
h=4 m=30
